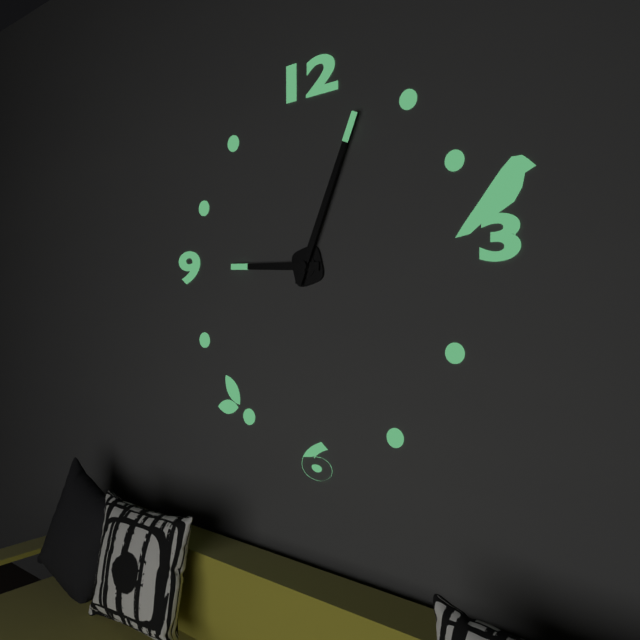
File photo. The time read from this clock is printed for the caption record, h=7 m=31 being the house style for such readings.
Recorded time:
h=9 m=4
